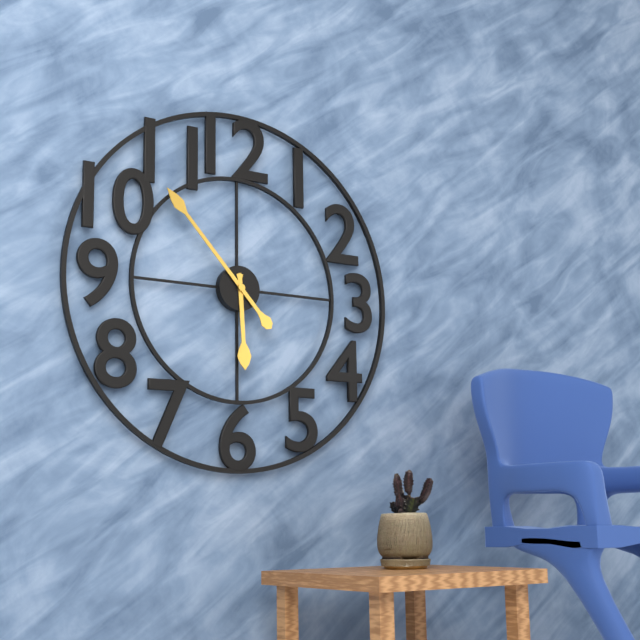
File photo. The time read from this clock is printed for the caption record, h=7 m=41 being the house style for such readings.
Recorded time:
h=5 m=53
